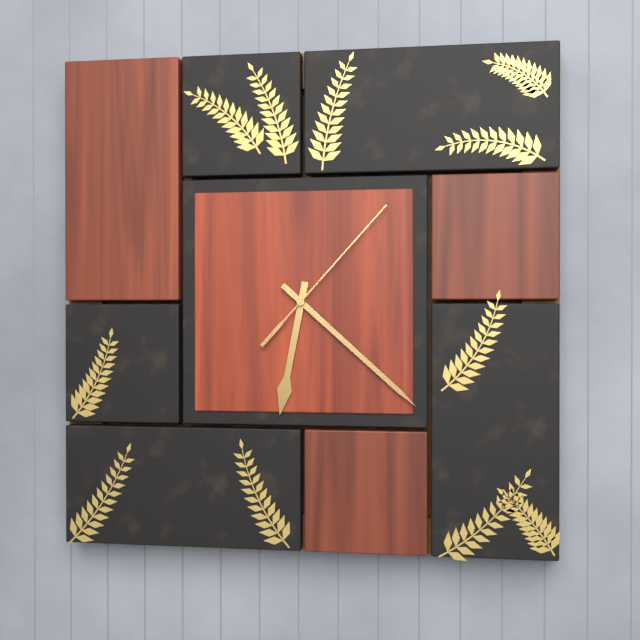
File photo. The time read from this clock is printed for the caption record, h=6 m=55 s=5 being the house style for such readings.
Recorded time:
h=6 m=22 s=7
